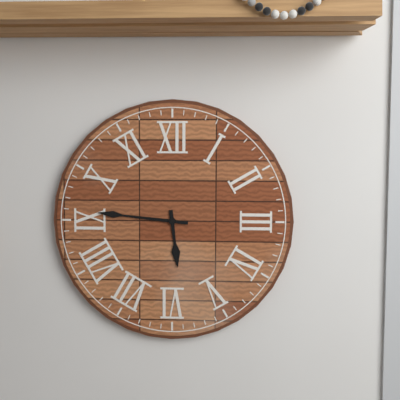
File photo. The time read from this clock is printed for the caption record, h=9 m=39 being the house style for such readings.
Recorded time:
h=5 m=46
